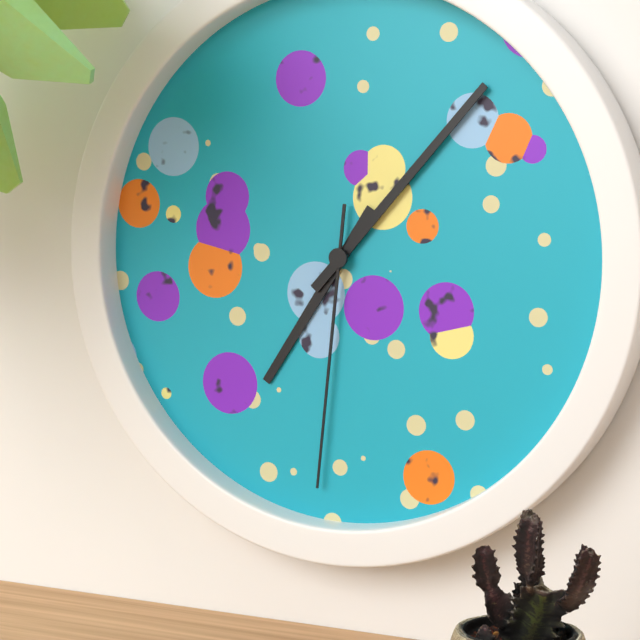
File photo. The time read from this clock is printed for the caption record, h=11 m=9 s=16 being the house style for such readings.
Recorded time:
h=7 m=7 s=31
